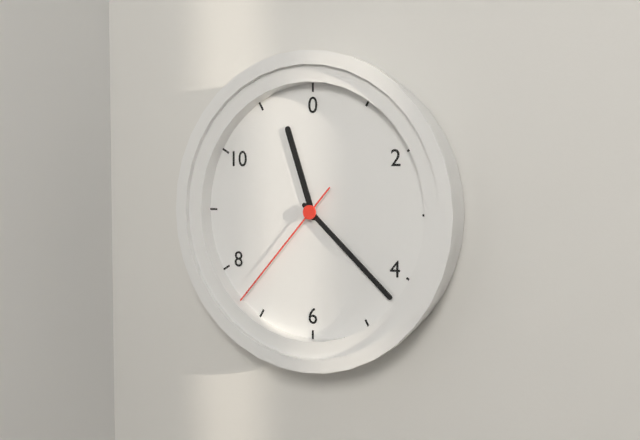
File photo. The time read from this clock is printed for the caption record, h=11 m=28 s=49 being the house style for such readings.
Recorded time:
h=11 m=22 s=37
